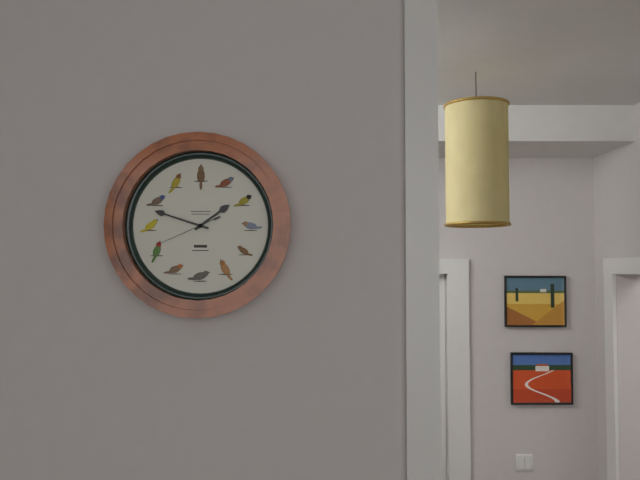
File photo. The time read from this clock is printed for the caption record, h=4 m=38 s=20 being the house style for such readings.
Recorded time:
h=1 m=48 s=41
